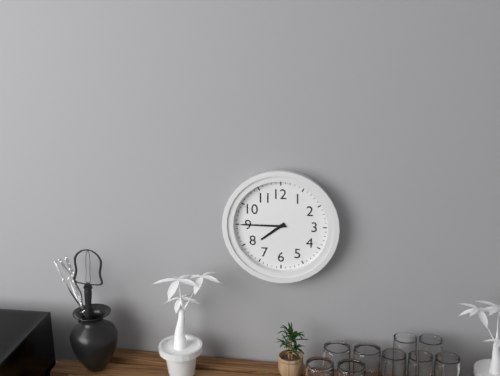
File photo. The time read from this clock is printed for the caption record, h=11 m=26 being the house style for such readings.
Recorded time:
h=7 m=45
